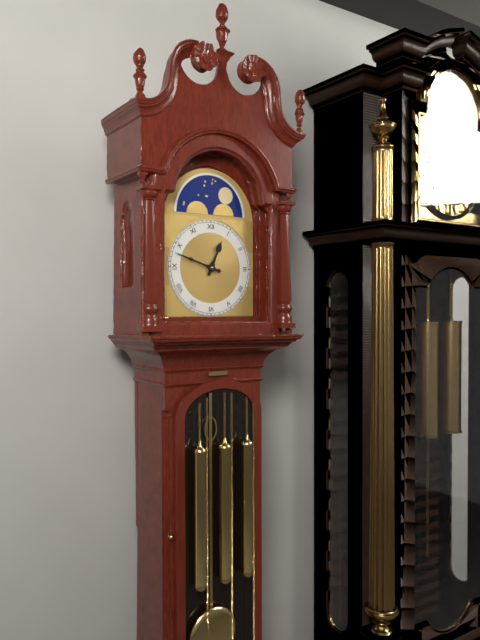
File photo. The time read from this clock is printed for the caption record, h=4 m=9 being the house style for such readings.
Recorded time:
h=12 m=48
